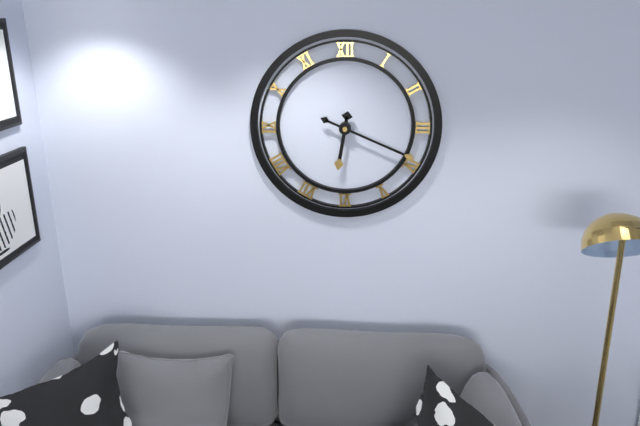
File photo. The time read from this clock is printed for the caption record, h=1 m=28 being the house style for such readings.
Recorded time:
h=6 m=19
